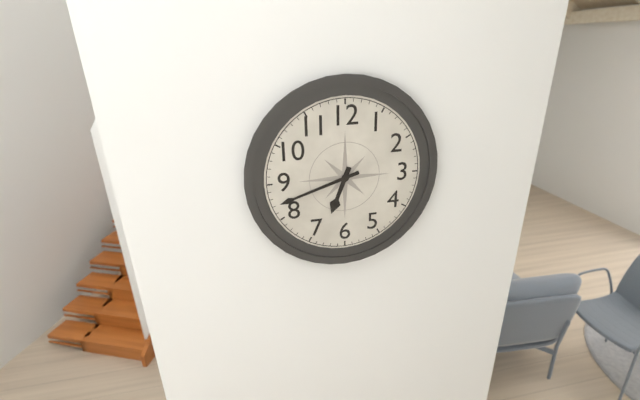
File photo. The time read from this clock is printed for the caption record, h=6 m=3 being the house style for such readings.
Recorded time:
h=6 m=42
